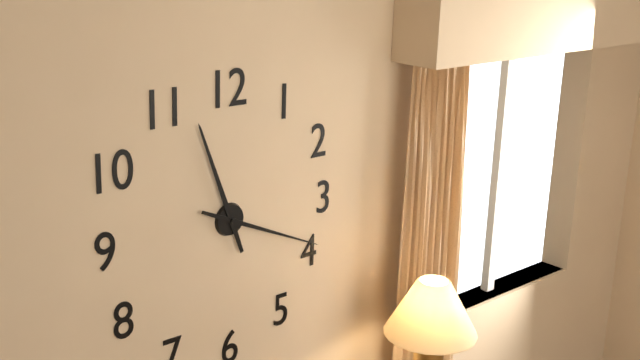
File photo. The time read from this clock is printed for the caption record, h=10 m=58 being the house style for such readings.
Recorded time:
h=11 m=19
